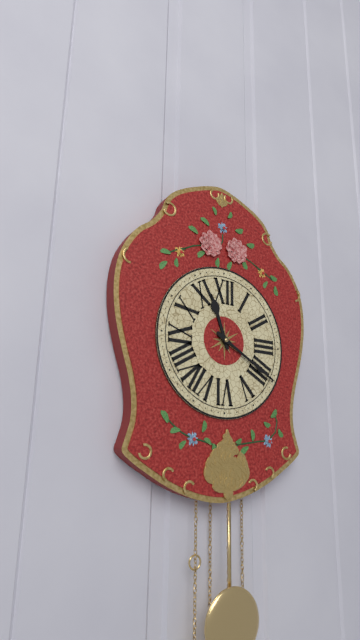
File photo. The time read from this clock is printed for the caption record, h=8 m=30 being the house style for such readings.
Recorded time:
h=11 m=20
